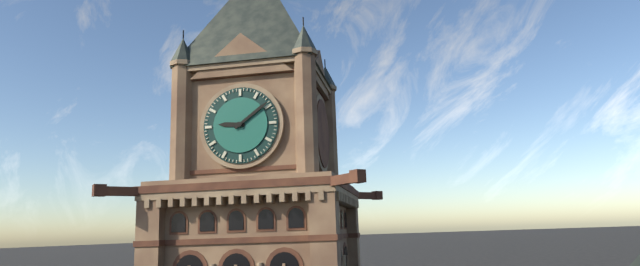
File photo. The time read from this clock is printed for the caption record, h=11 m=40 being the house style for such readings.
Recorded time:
h=9 m=9
